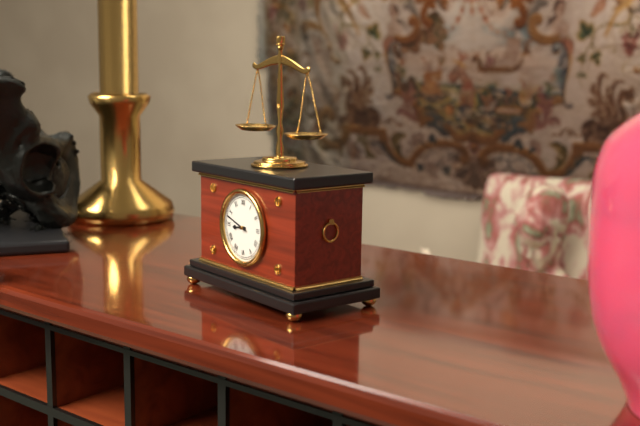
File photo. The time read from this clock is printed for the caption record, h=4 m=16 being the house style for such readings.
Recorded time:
h=8 m=48
